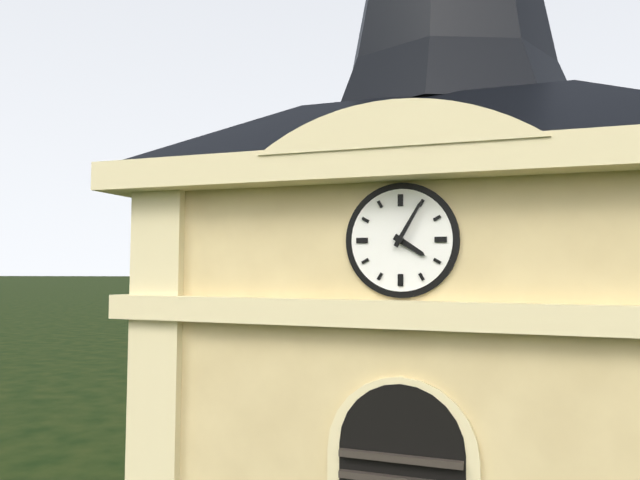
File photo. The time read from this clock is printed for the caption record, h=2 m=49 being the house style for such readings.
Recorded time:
h=4 m=5
